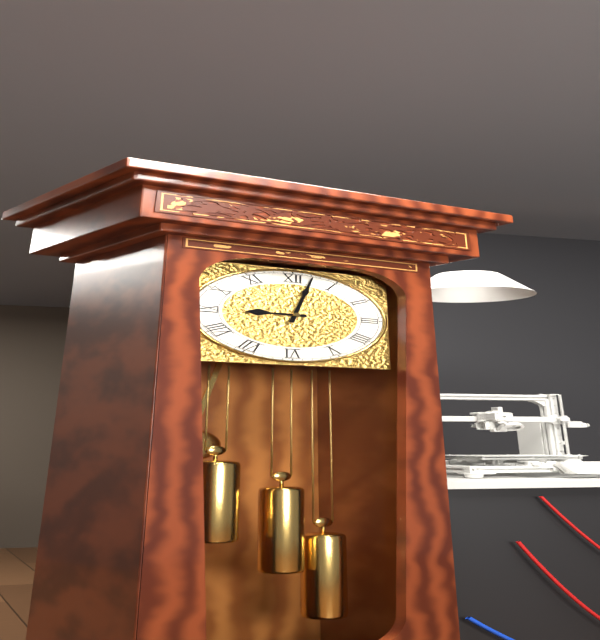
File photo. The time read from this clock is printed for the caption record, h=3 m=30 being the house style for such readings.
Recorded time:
h=9 m=2
